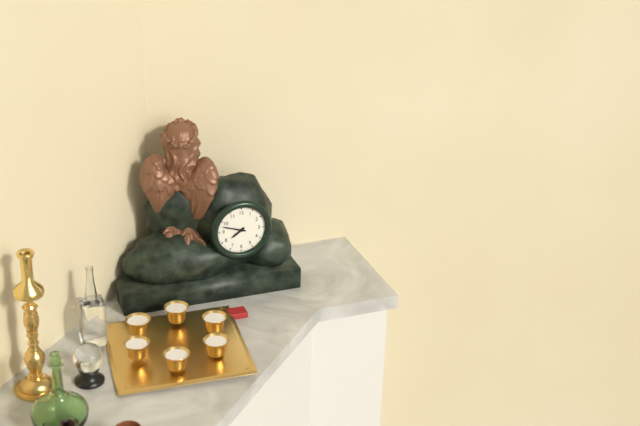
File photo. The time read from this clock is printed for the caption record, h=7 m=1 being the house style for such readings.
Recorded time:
h=7 m=48
